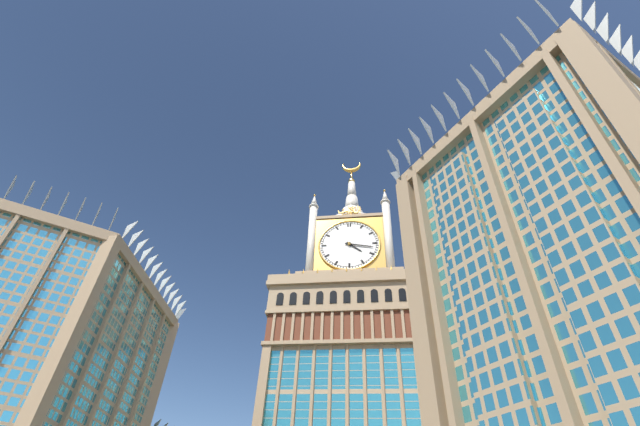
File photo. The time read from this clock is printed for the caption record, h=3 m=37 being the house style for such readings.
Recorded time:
h=4 m=17
